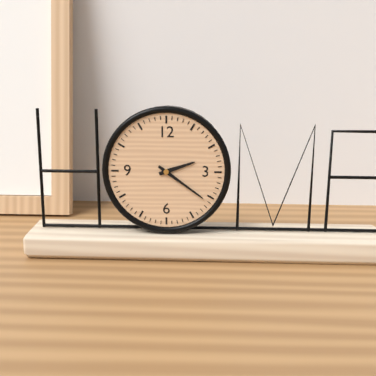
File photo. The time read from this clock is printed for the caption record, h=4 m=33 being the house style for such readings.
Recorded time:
h=2 m=21
